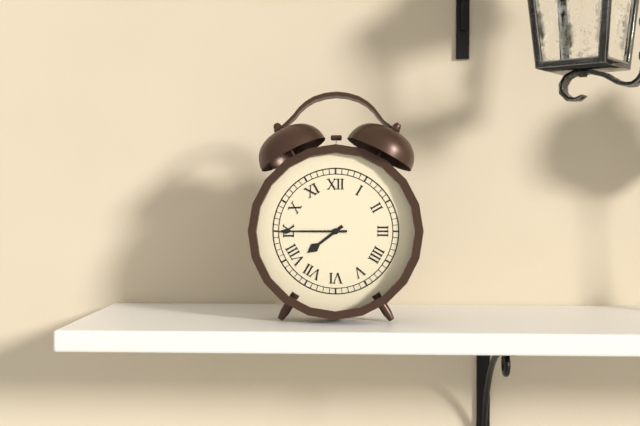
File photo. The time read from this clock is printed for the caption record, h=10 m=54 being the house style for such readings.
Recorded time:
h=7 m=45
